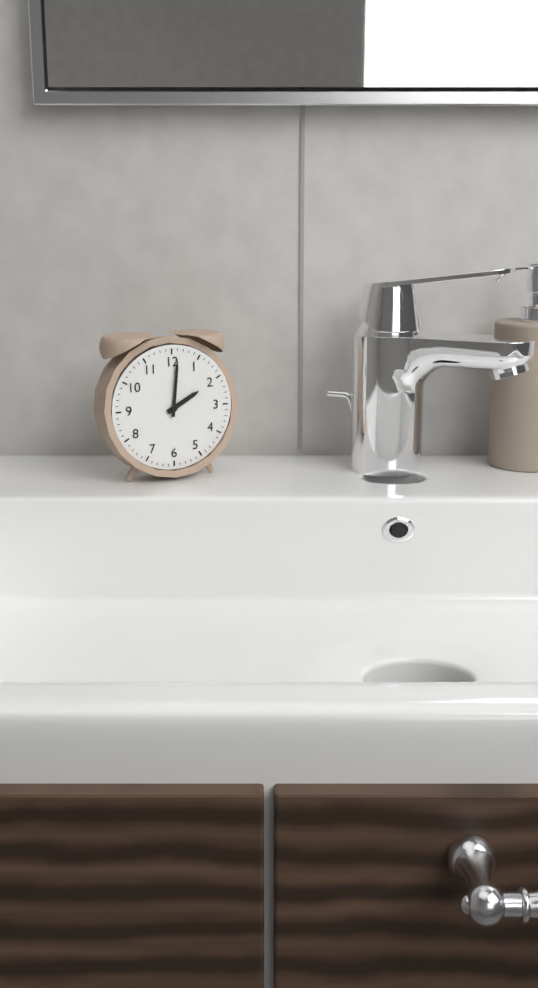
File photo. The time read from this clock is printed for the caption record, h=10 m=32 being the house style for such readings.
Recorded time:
h=2 m=1
